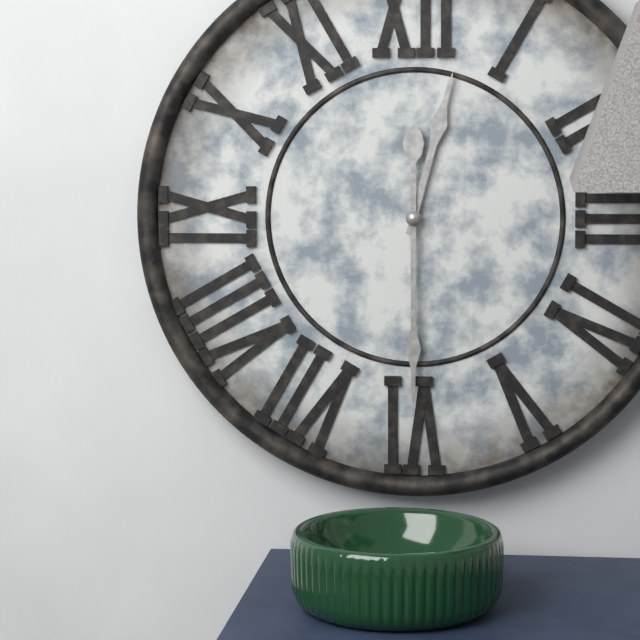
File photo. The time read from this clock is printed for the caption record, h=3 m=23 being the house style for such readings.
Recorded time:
h=12 m=30
